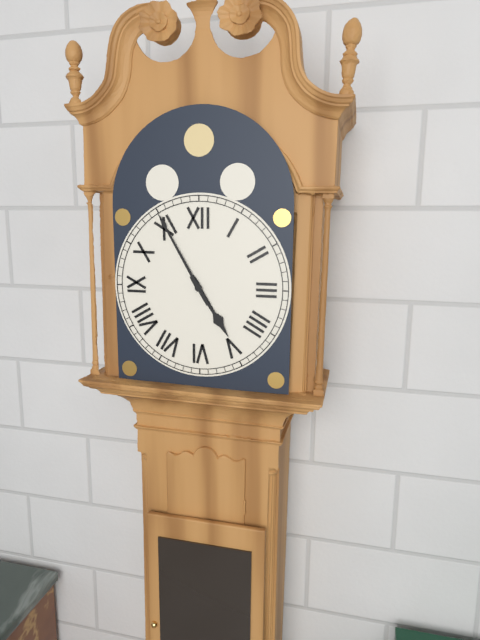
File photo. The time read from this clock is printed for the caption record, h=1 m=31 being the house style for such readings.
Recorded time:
h=4 m=55
